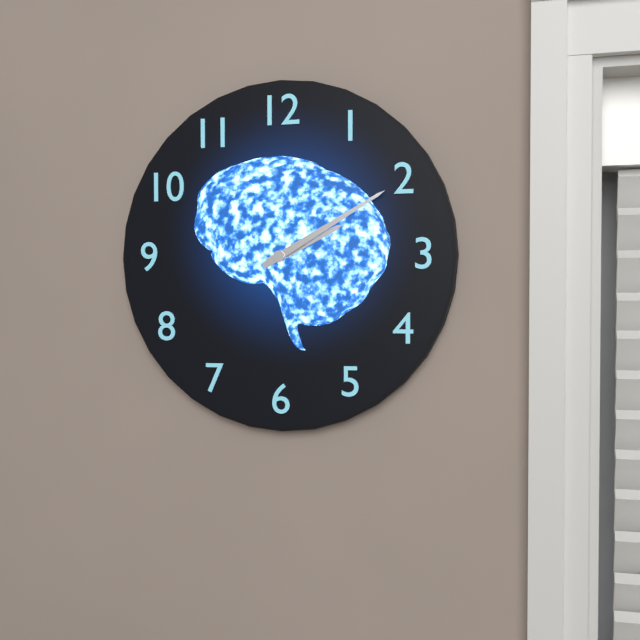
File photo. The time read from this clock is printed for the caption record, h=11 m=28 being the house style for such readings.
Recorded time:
h=2 m=10
